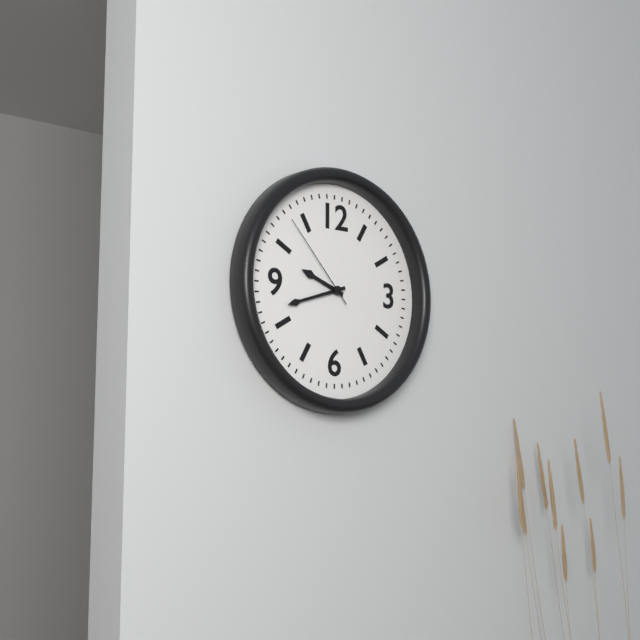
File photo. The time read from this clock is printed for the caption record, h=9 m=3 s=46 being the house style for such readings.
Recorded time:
h=9 m=42 s=53
